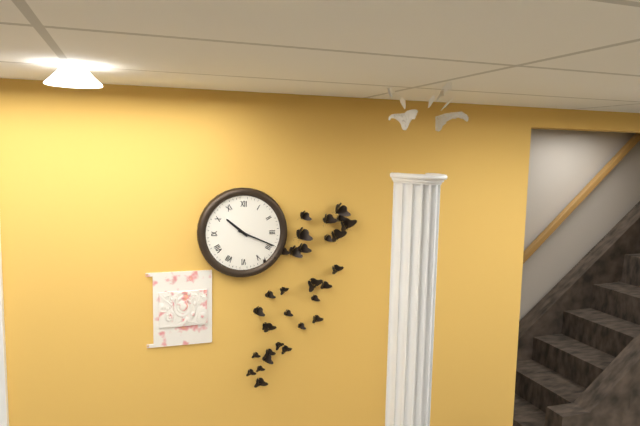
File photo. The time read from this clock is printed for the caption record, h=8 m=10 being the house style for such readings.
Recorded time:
h=10 m=19
